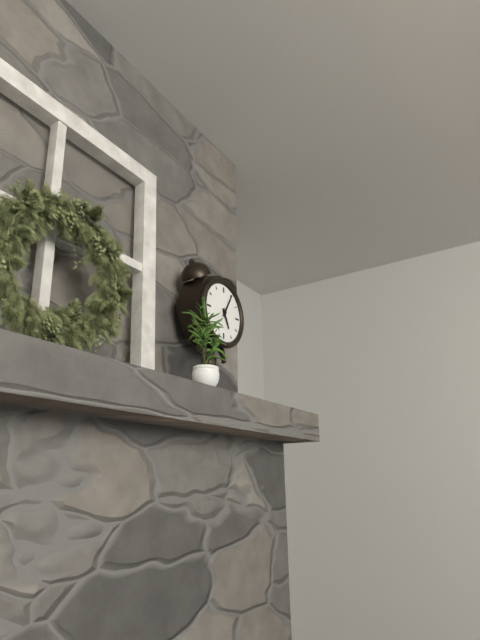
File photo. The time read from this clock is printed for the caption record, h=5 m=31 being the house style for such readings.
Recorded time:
h=5 m=5
